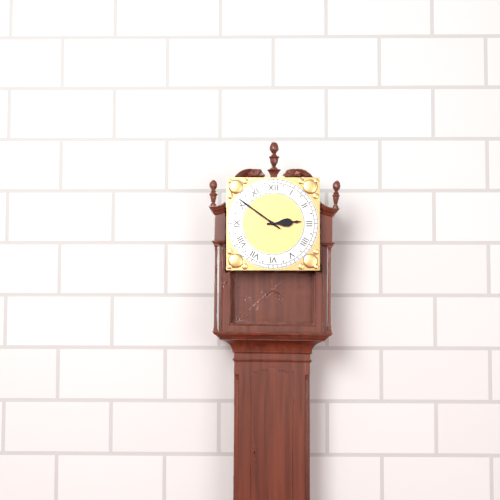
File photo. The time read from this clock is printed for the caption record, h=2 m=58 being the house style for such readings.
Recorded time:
h=2 m=51
